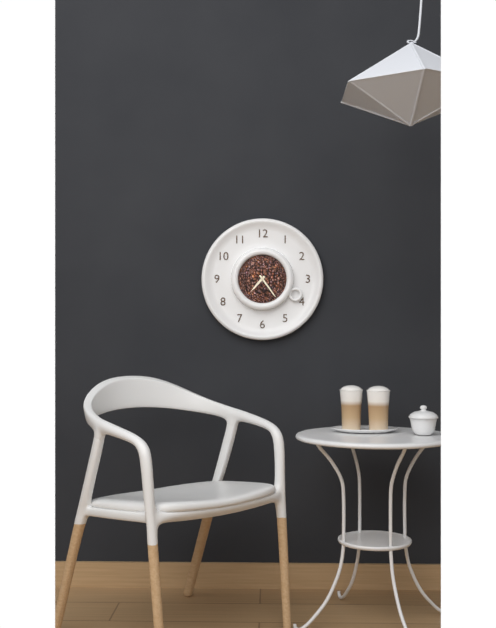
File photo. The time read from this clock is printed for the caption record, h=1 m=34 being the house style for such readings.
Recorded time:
h=7 m=24
